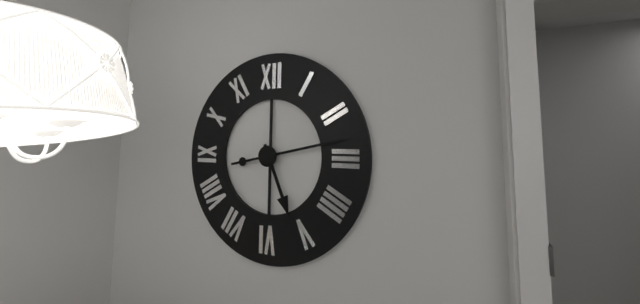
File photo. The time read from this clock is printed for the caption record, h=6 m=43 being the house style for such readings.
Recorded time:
h=5 m=13
